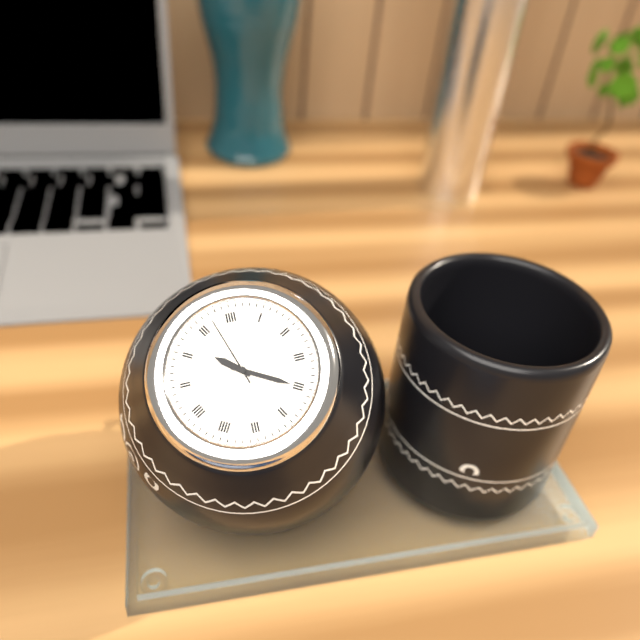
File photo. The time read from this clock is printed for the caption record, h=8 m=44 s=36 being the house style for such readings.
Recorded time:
h=10 m=20 s=57
